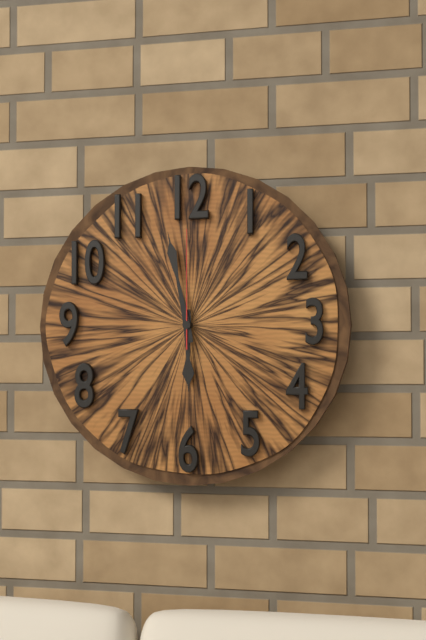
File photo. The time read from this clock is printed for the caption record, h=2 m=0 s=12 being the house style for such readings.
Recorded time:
h=5 m=58 s=0
